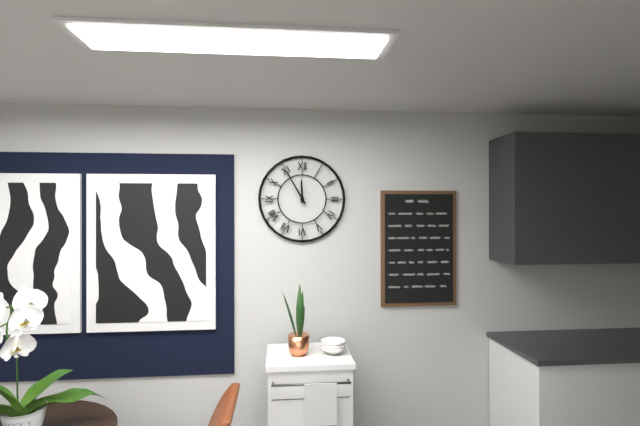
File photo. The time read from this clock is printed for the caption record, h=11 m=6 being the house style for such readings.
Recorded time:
h=11 m=55
